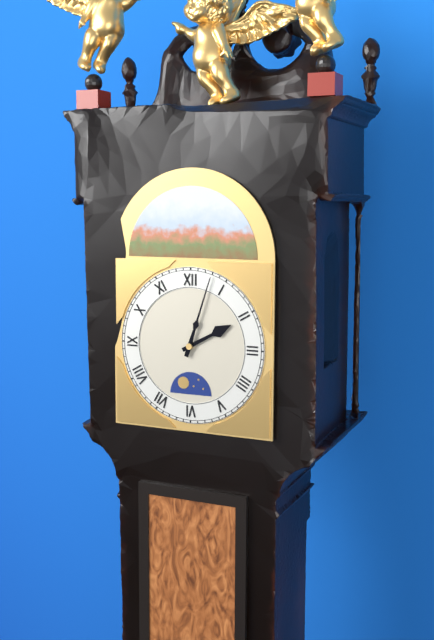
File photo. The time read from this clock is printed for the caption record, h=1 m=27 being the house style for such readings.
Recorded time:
h=2 m=3
